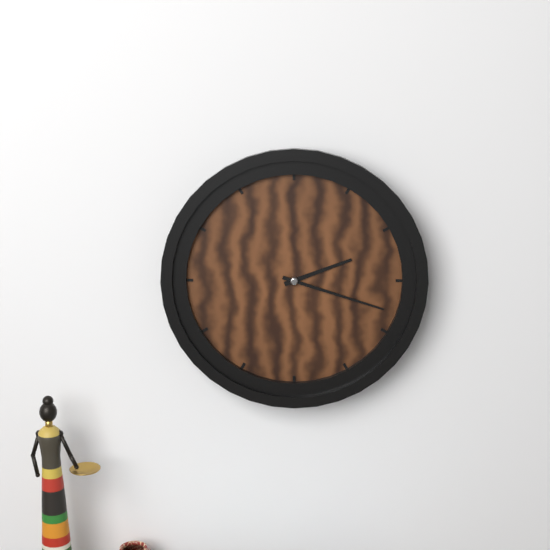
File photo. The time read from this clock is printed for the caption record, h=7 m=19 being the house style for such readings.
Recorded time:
h=2 m=18
